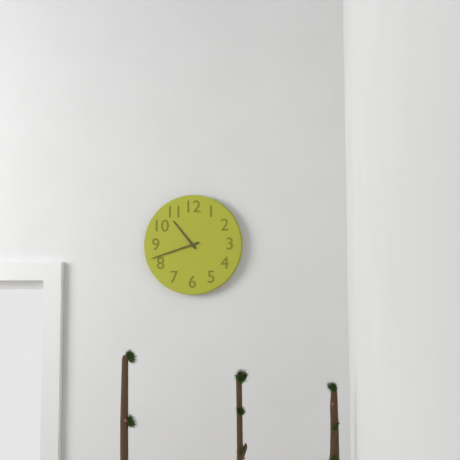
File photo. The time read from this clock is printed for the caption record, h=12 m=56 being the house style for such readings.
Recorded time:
h=10 m=42
